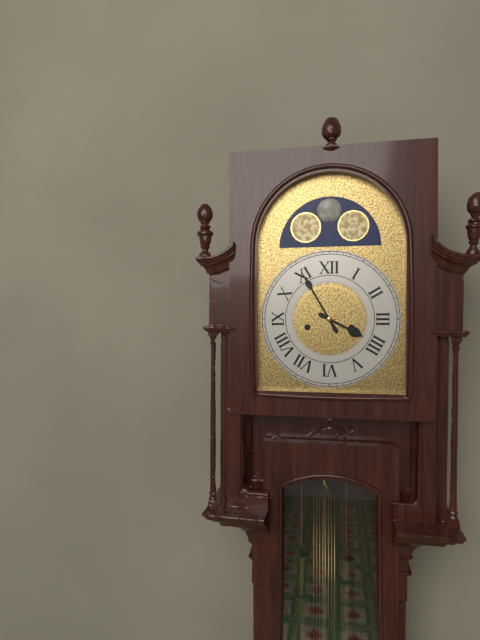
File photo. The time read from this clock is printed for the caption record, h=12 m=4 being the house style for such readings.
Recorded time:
h=3 m=55
